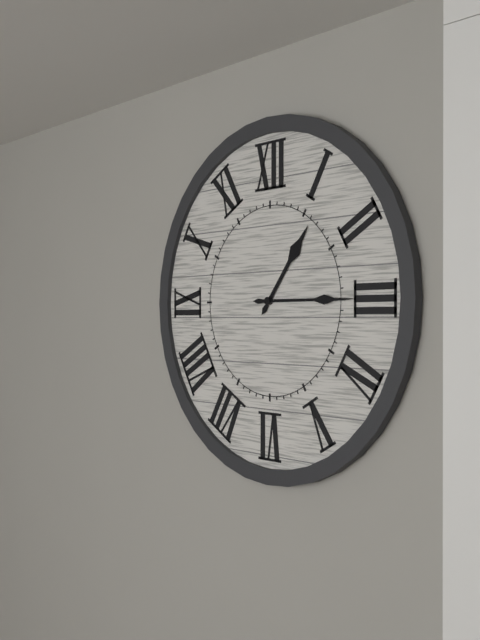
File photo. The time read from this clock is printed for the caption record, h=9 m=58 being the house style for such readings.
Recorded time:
h=1 m=15
